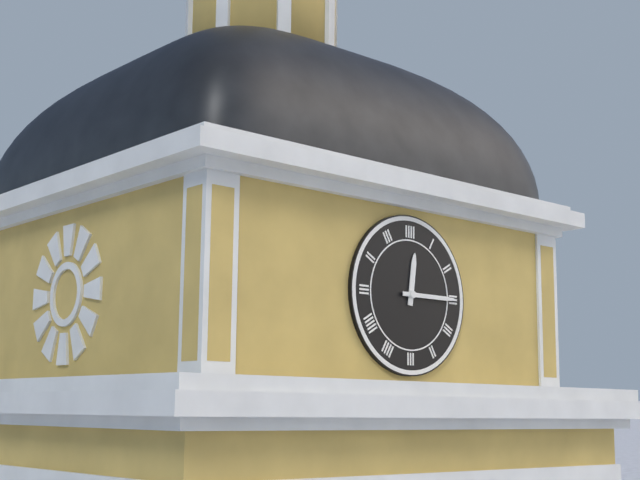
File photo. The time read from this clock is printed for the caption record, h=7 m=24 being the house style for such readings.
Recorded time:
h=12 m=15
